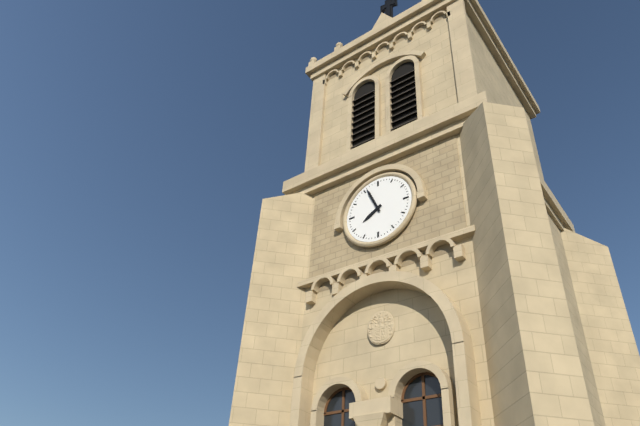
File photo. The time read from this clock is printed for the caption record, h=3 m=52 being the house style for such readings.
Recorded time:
h=7 m=56
